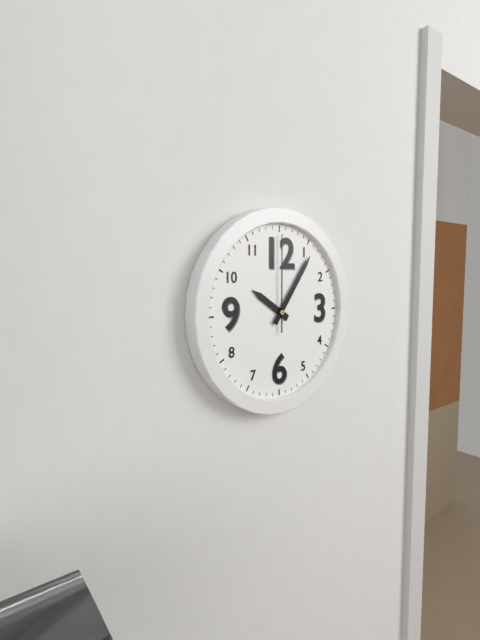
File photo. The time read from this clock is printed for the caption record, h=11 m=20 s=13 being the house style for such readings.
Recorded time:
h=10 m=6 s=0
